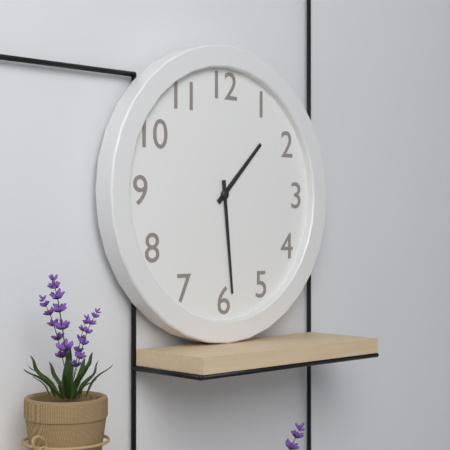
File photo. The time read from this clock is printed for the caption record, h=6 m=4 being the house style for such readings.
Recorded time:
h=1 m=29
